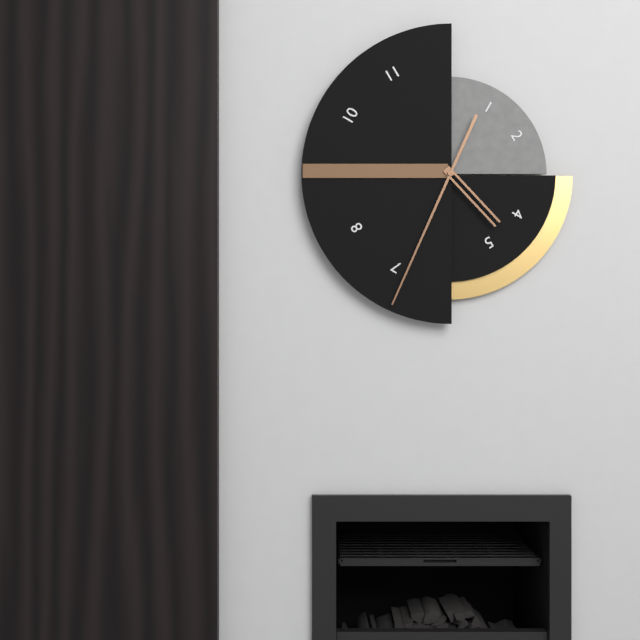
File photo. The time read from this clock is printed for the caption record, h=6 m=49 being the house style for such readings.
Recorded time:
h=4 m=34
